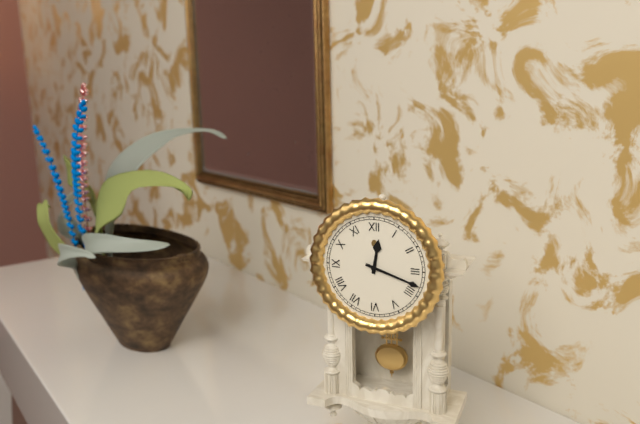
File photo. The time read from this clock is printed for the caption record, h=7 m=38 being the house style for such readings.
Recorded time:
h=12 m=18
